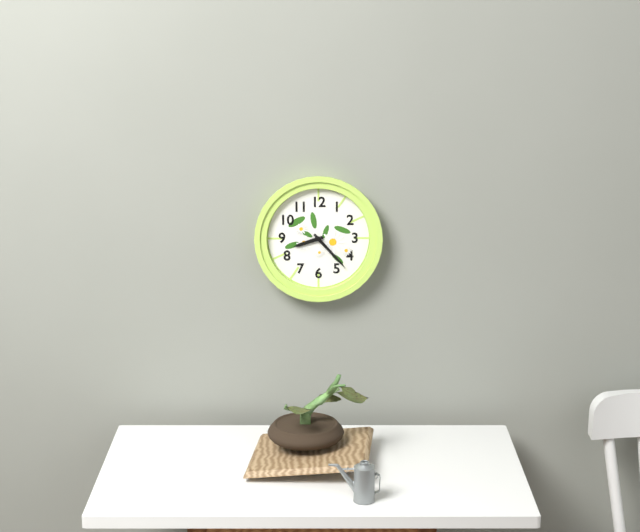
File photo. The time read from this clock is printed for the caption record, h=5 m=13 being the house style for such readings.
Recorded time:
h=8 m=23
